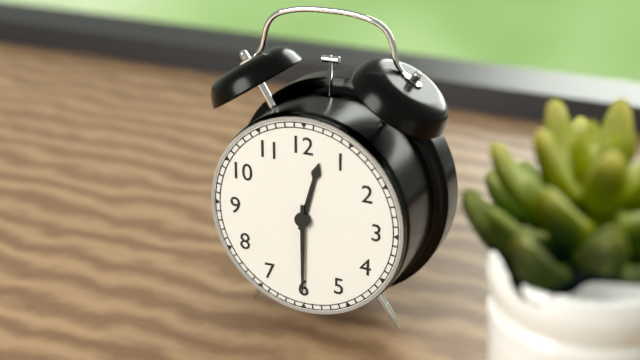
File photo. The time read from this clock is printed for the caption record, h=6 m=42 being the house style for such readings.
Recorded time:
h=12 m=30
